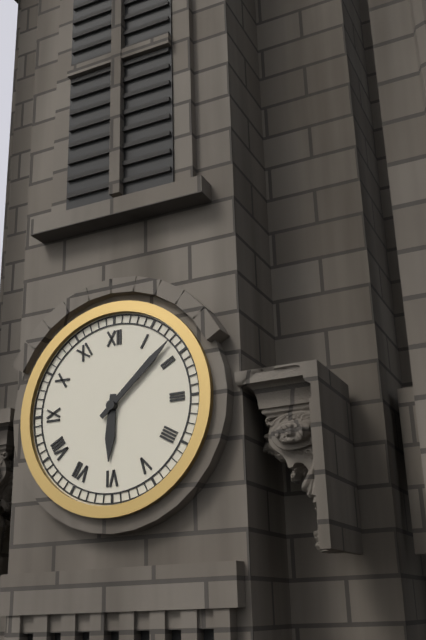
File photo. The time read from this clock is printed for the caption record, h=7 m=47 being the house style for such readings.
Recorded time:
h=6 m=8
